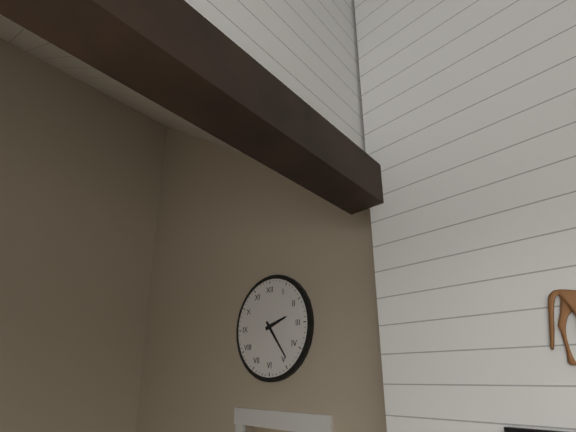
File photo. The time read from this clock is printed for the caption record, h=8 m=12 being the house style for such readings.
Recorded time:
h=2 m=24
